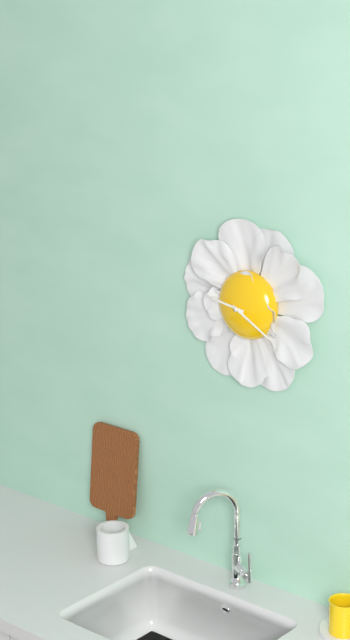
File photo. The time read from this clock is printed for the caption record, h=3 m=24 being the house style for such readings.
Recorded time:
h=9 m=20
